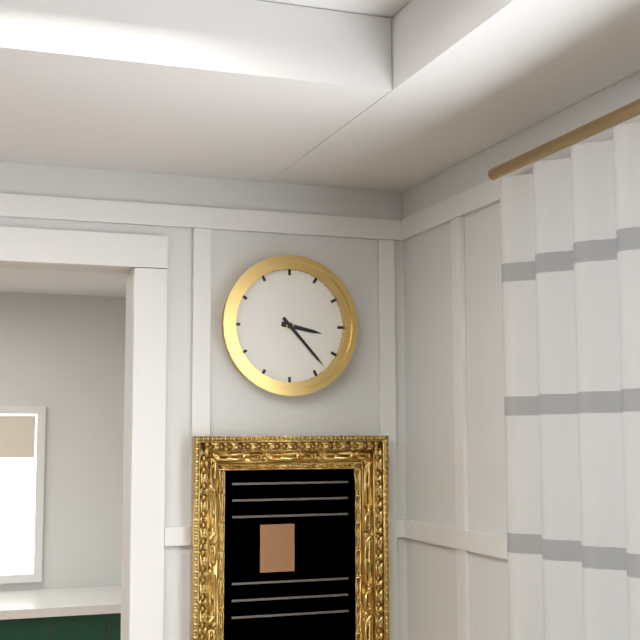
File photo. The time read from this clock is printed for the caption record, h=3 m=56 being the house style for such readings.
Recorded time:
h=3 m=23
